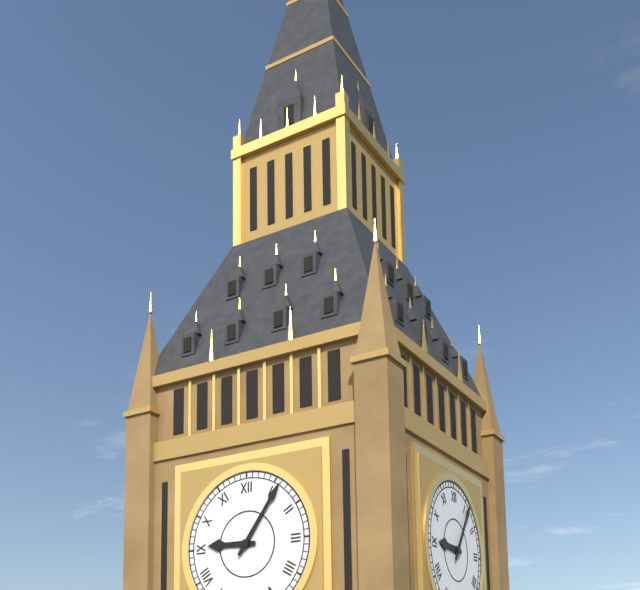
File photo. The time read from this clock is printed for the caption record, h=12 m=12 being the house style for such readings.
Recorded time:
h=9 m=6
